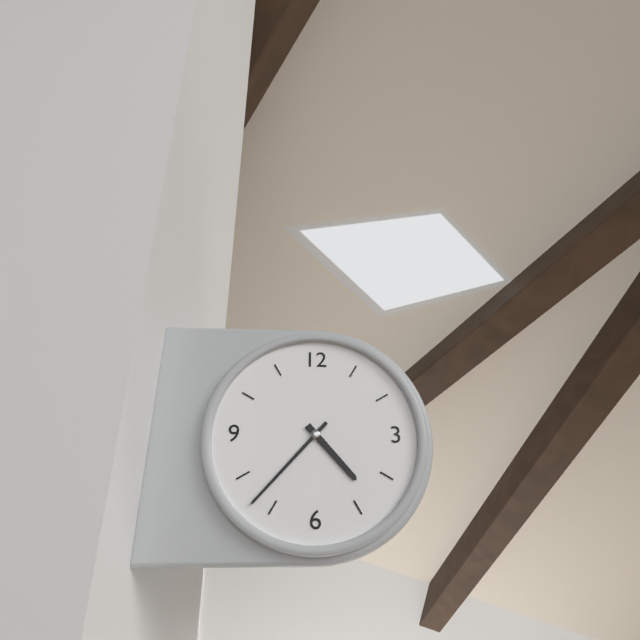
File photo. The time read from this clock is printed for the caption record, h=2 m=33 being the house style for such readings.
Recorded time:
h=4 m=37
